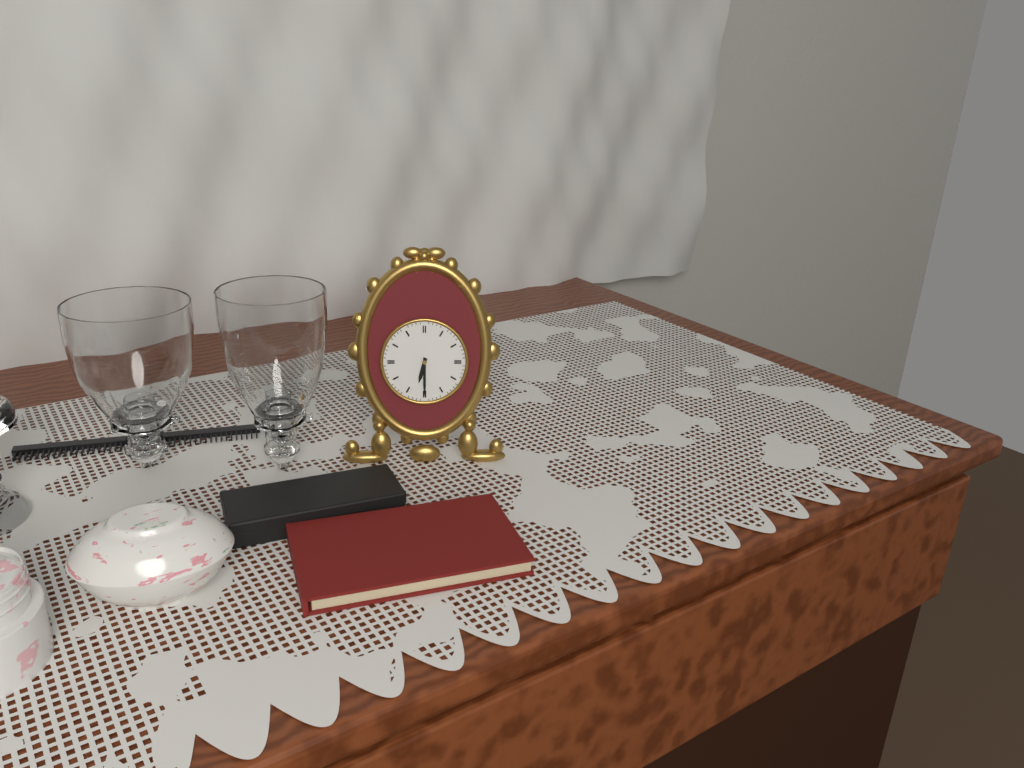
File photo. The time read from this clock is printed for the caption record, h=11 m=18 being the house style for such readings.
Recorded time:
h=6 m=30
